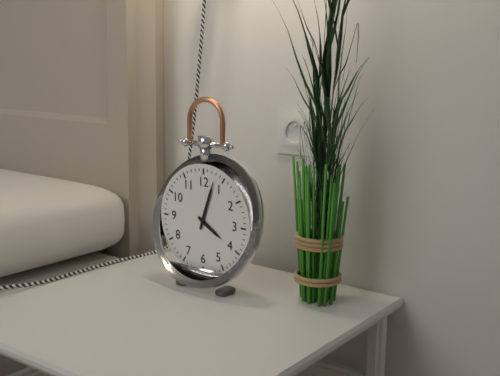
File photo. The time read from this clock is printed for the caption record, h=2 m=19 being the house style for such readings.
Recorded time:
h=4 m=3
